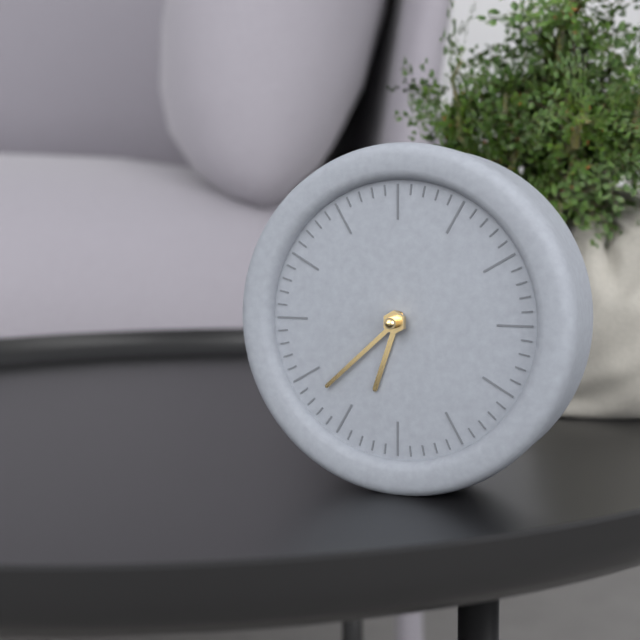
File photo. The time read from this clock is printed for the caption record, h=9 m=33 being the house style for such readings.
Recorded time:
h=6 m=38
